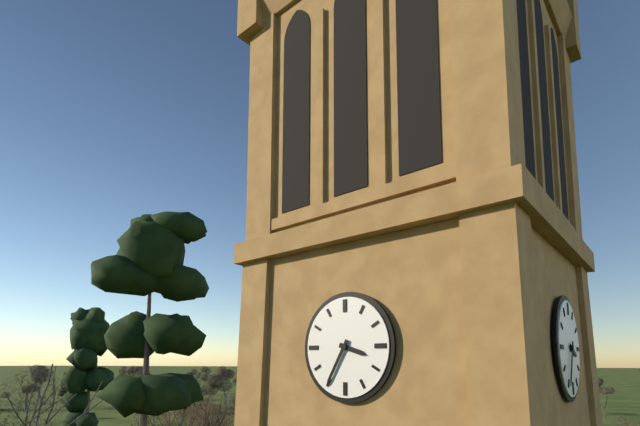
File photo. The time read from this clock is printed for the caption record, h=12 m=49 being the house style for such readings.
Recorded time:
h=3 m=35
